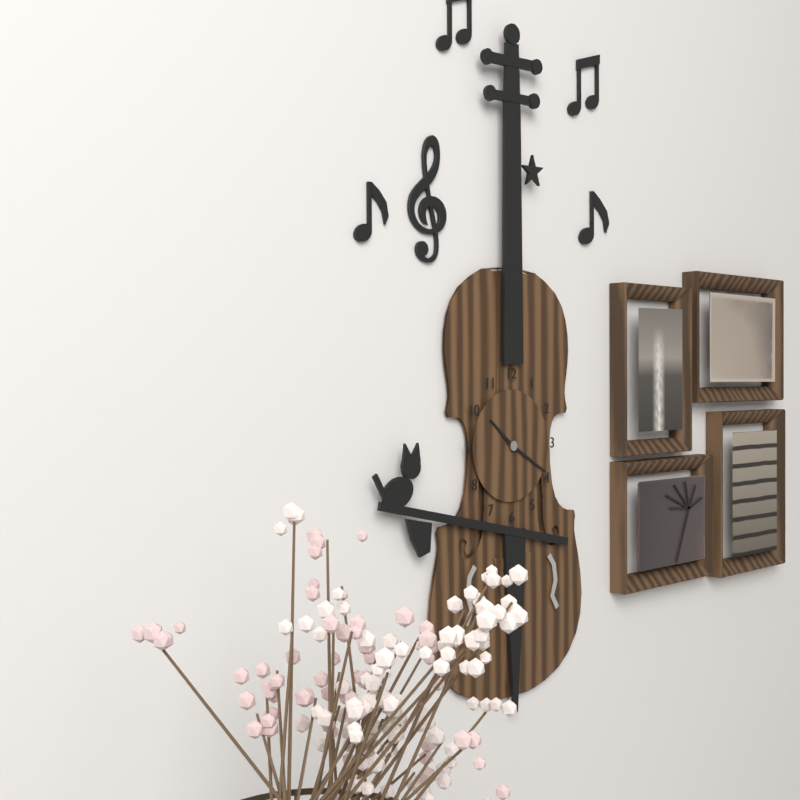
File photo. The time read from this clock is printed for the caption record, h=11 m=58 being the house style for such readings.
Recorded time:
h=10 m=20
